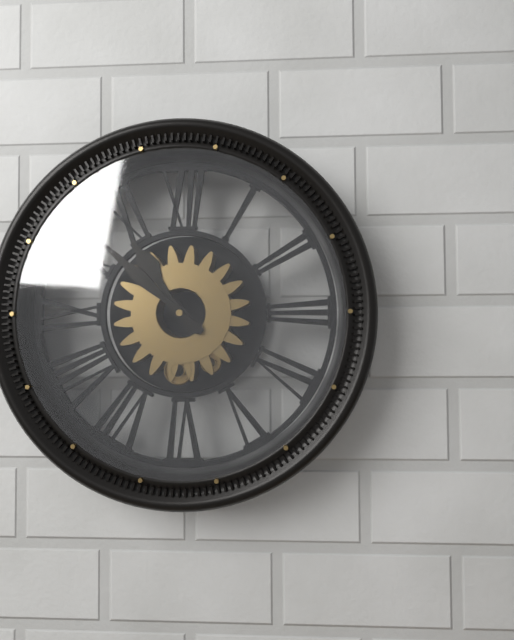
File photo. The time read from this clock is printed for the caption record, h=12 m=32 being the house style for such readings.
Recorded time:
h=10 m=52
